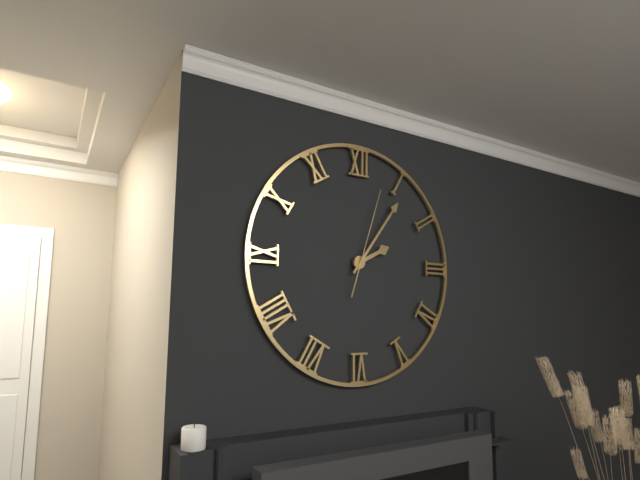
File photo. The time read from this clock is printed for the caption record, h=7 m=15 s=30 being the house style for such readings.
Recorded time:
h=2 m=6 s=3
